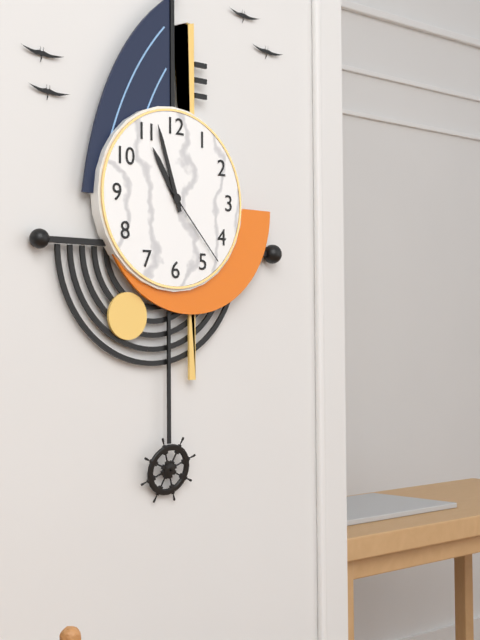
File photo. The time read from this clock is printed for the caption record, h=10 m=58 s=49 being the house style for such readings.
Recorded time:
h=10 m=57 s=23
